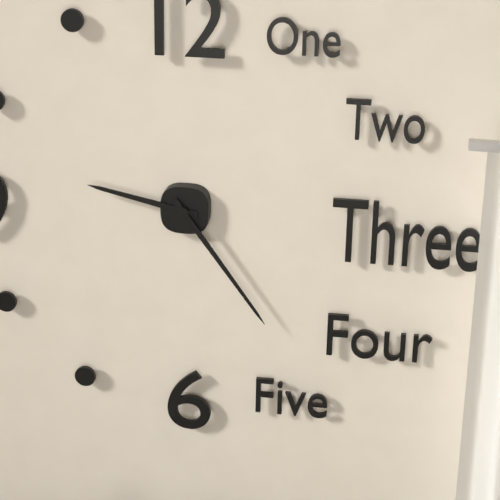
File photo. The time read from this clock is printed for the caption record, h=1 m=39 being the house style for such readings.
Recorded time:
h=9 m=24
